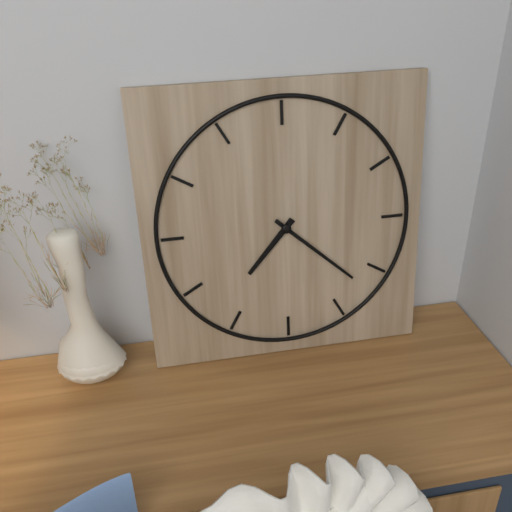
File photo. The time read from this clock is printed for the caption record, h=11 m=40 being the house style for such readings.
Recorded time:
h=7 m=22
